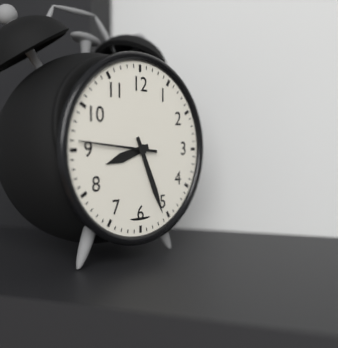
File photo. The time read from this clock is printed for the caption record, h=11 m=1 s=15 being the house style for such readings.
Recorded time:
h=8 m=26 s=46
